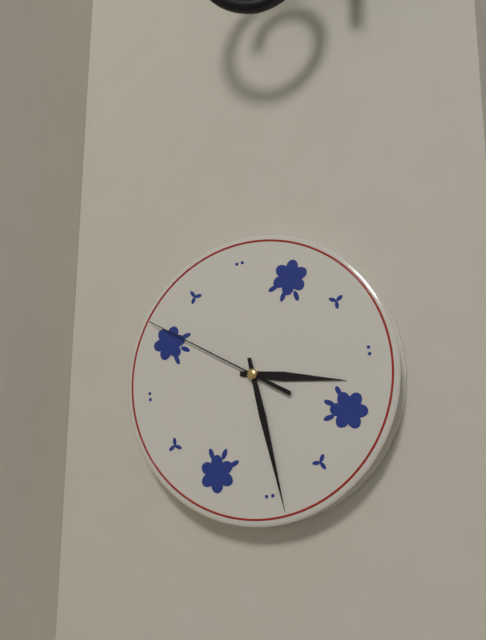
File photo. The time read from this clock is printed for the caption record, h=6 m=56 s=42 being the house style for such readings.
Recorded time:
h=3 m=29 s=51
